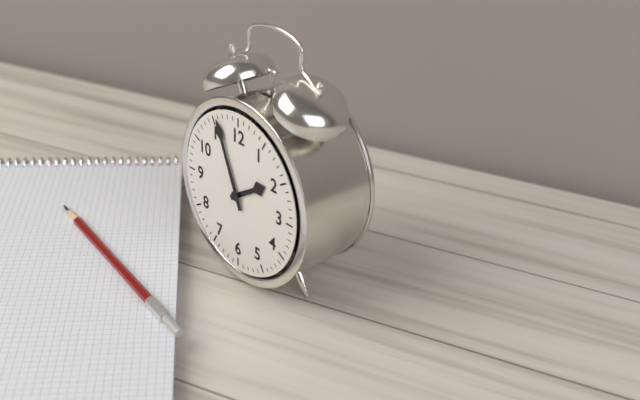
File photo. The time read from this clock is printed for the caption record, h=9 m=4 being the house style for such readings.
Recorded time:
h=1 m=56
